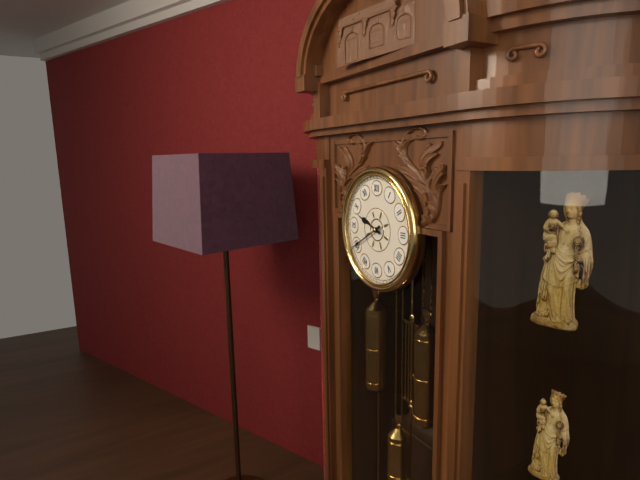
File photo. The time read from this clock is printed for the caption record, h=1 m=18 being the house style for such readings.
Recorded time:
h=9 m=40
